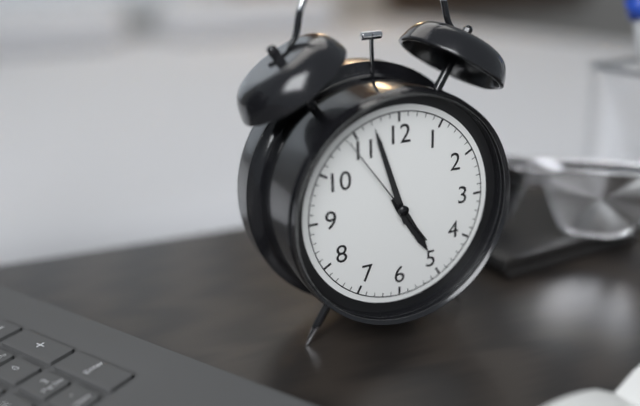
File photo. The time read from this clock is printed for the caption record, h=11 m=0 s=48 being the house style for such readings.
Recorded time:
h=4 m=57 s=54
